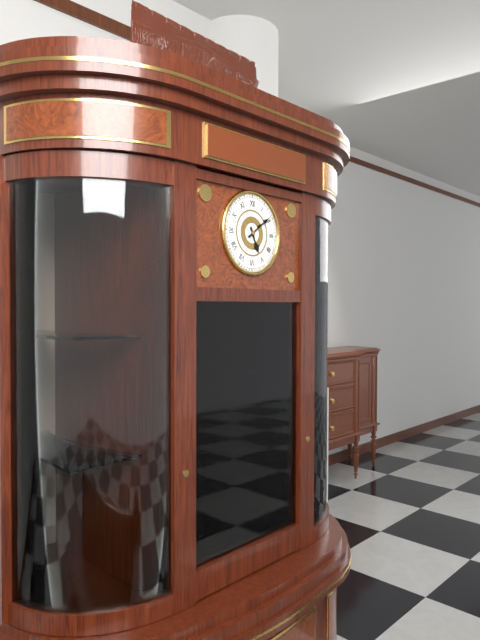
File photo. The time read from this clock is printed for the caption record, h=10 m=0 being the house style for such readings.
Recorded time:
h=5 m=9
